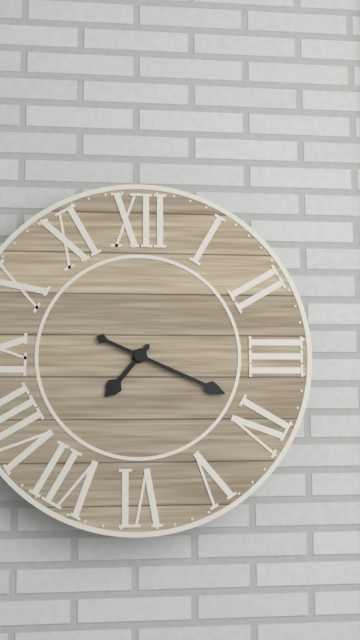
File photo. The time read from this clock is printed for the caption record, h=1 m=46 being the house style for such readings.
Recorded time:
h=7 m=19
